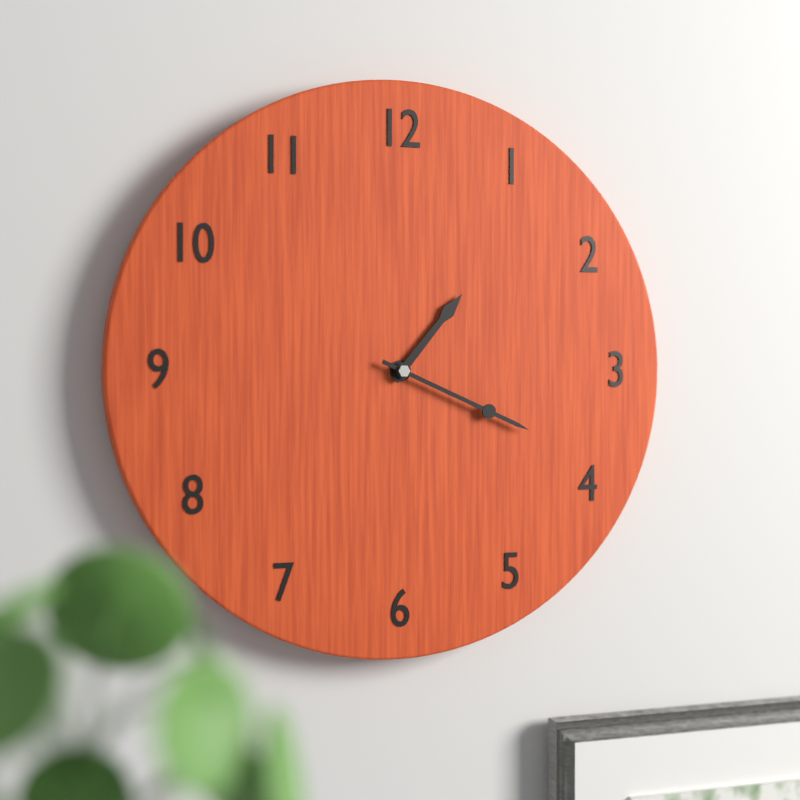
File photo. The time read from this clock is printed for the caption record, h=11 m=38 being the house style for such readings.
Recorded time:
h=1 m=19
